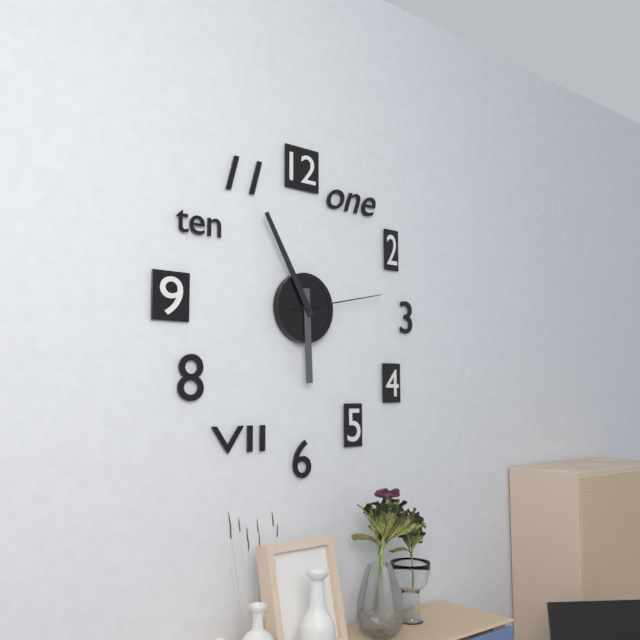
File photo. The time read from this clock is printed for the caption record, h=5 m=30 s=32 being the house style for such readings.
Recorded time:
h=5 m=55 s=13
